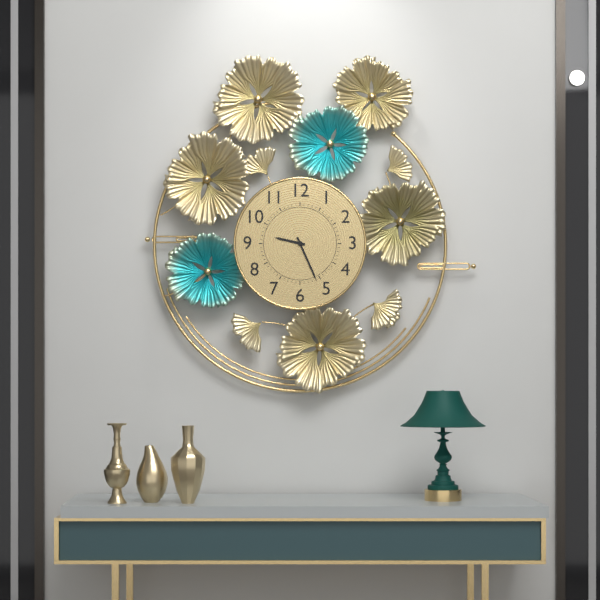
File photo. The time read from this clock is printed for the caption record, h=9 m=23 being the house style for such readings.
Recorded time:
h=9 m=26
